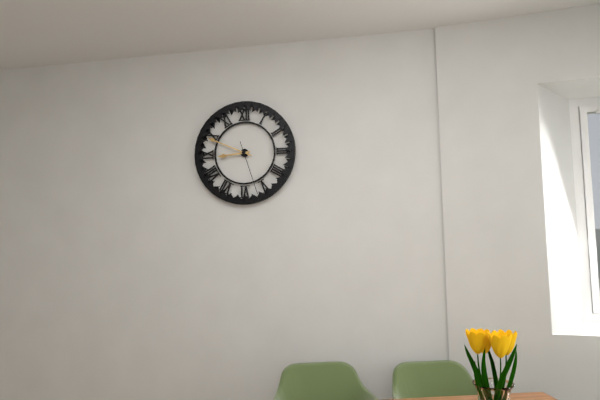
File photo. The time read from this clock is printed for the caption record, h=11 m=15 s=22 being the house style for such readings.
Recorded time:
h=8 m=49 s=27
